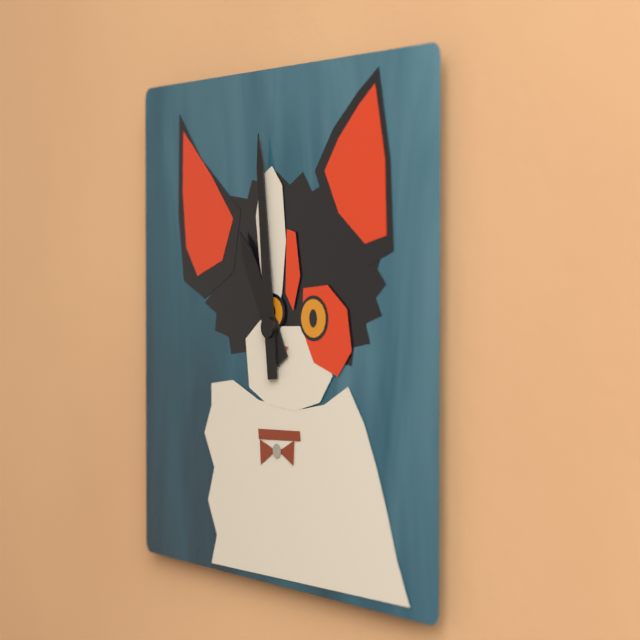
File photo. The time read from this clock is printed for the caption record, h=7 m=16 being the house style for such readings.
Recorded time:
h=10 m=59
